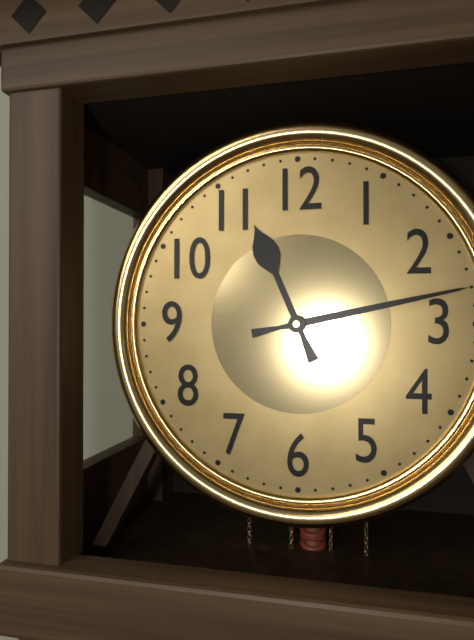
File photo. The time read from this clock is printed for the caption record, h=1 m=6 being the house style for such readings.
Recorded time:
h=11 m=13
